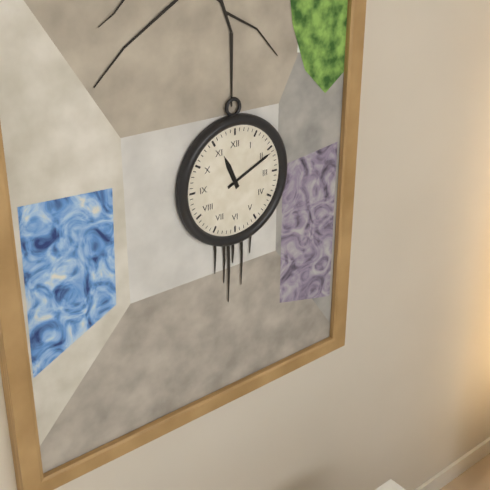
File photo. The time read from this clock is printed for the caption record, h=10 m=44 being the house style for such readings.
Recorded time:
h=11 m=11
